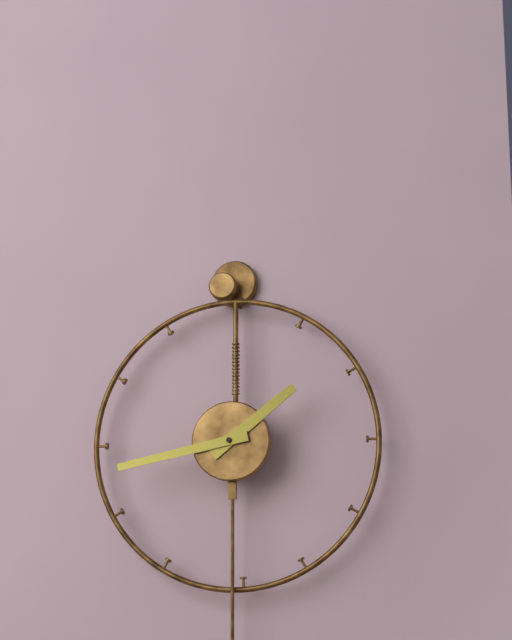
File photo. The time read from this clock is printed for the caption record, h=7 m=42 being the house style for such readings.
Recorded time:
h=1 m=43
